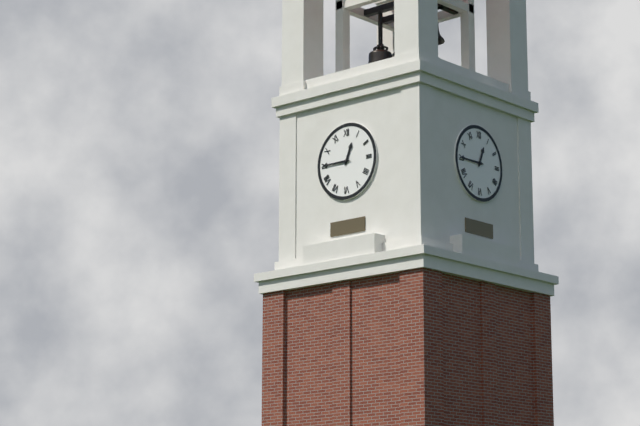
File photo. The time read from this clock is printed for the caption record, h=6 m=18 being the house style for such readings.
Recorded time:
h=12 m=45
